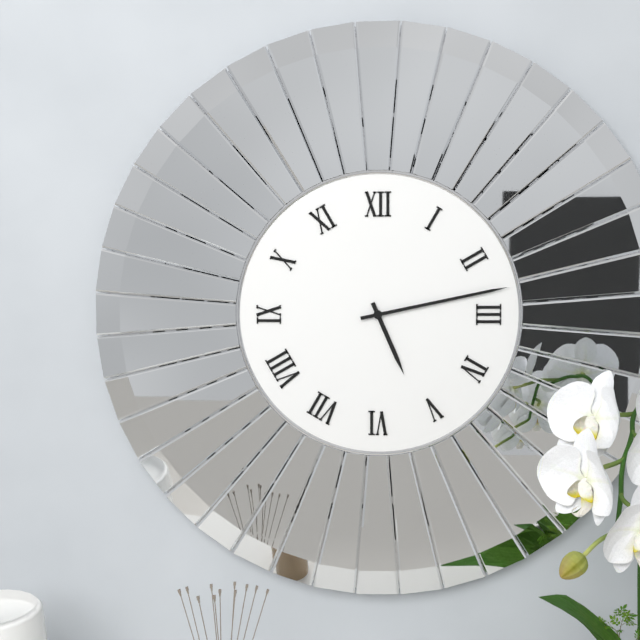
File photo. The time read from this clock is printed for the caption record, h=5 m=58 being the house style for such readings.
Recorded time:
h=5 m=13
